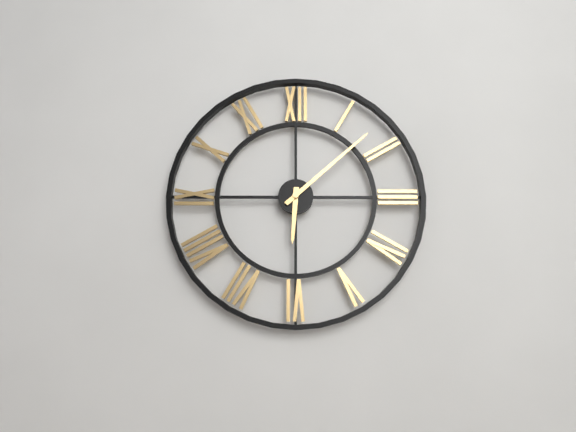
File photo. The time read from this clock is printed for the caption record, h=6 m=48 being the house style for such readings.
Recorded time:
h=6 m=8
